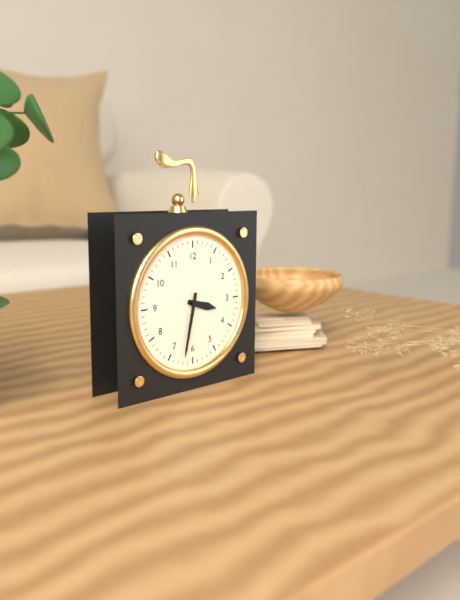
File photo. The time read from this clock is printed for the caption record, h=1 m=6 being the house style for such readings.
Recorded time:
h=3 m=32
